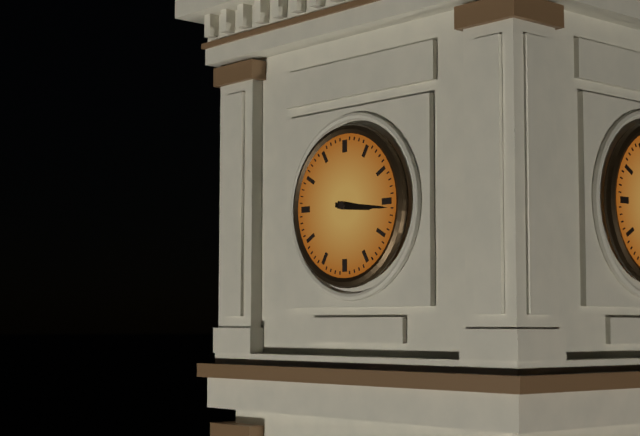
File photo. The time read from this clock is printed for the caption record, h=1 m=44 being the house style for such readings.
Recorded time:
h=3 m=16
